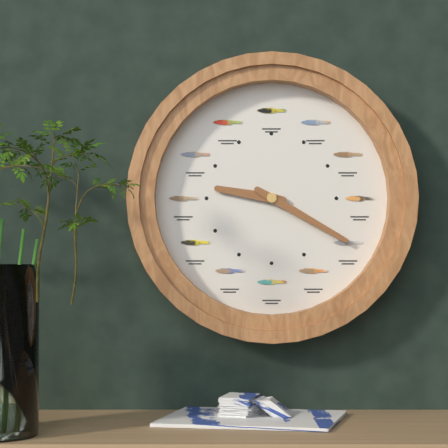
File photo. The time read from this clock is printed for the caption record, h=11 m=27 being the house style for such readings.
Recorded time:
h=9 m=20
